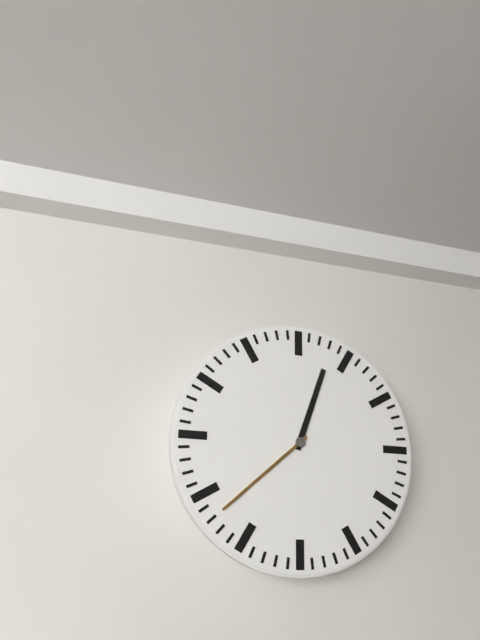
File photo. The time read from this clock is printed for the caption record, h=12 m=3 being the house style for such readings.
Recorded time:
h=12 m=38
